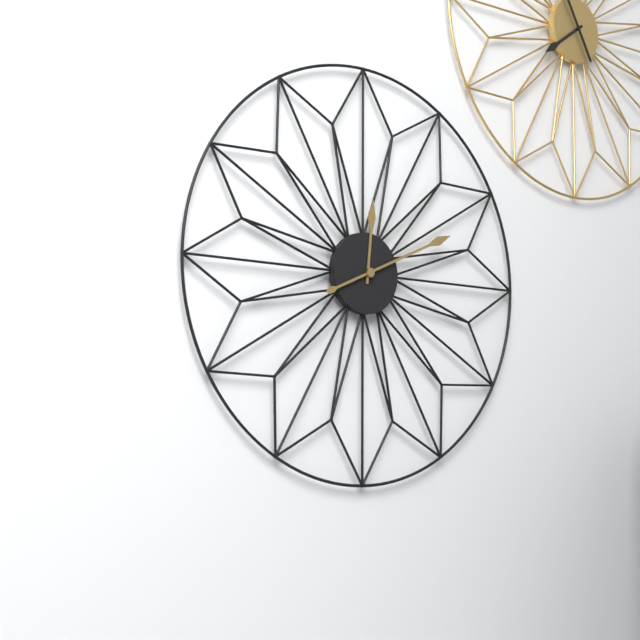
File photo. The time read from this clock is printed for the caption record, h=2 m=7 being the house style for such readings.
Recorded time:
h=12 m=11
